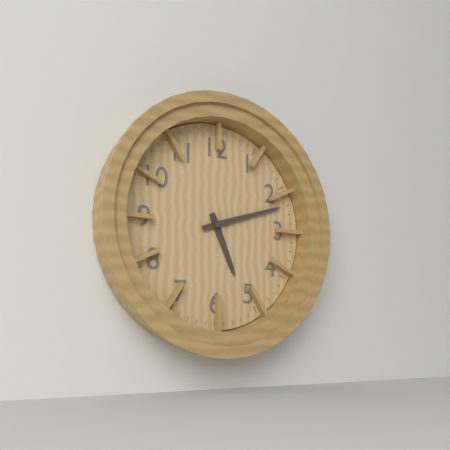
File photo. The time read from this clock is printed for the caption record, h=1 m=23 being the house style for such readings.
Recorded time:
h=5 m=12
